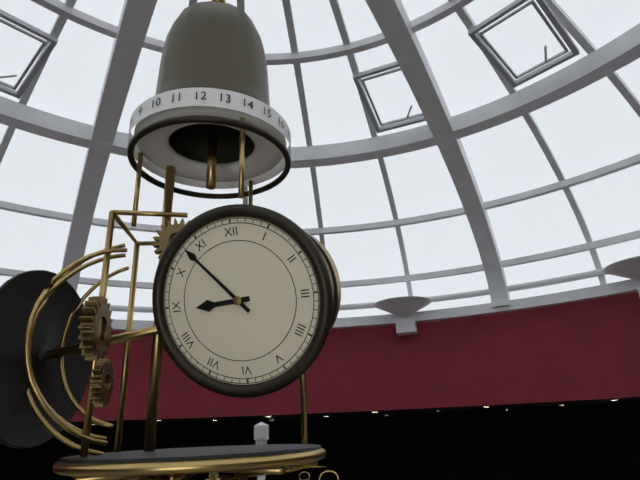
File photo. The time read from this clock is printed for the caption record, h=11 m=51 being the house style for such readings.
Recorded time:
h=8 m=53
